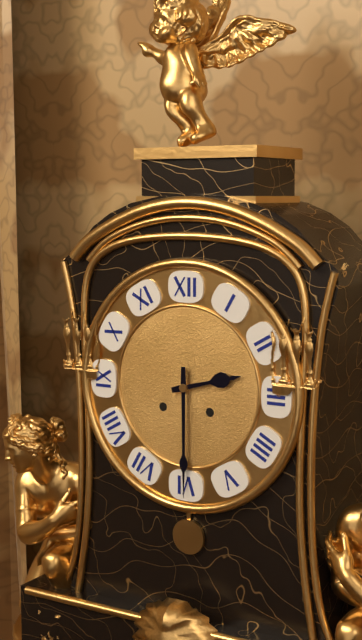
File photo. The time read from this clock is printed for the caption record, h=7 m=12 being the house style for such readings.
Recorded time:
h=2 m=30
